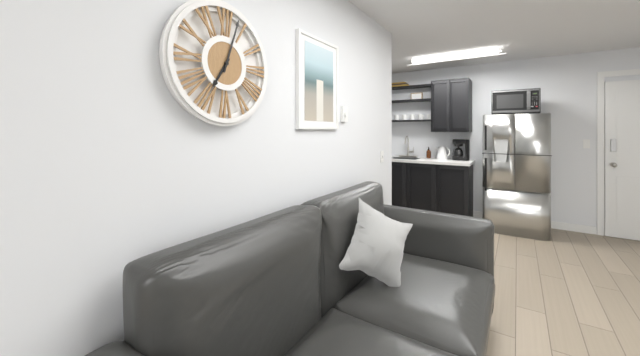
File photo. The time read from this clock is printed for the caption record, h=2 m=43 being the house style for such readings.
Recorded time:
h=7 m=3
